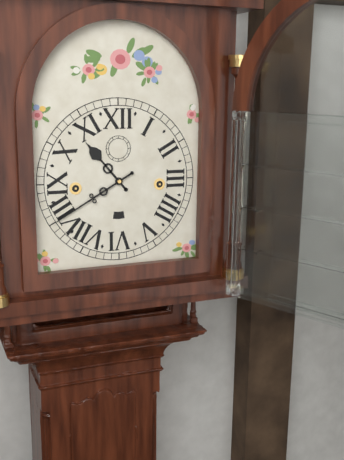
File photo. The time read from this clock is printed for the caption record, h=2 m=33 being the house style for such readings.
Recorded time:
h=10 m=40
